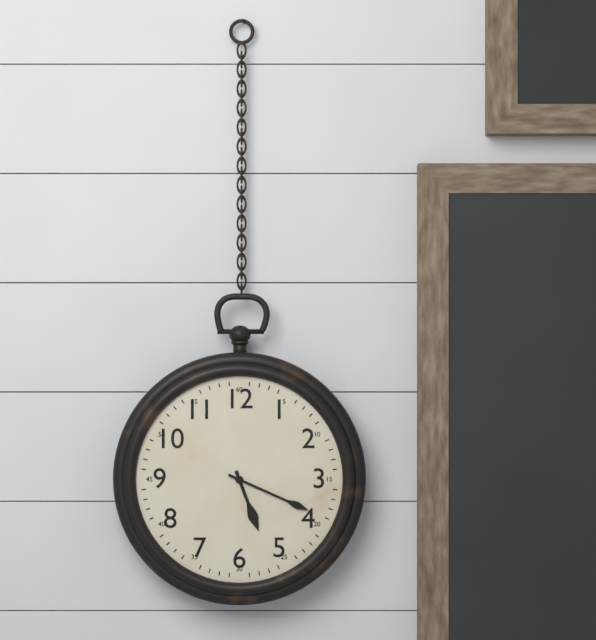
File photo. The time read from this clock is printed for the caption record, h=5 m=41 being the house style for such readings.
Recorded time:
h=5 m=19
